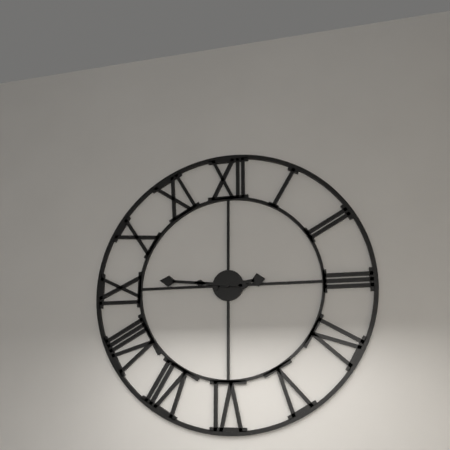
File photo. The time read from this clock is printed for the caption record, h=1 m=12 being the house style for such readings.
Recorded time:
h=2 m=46
